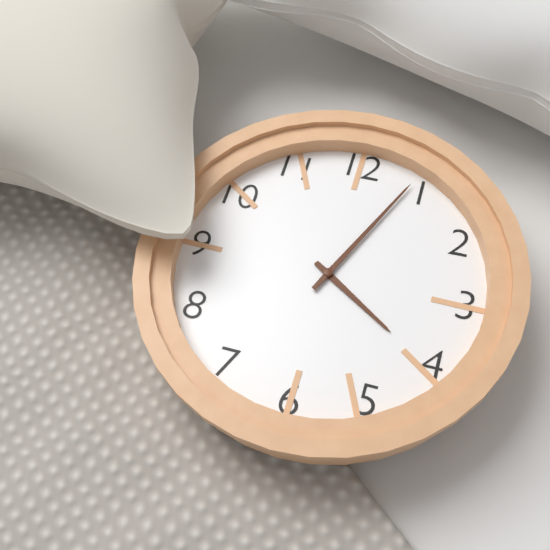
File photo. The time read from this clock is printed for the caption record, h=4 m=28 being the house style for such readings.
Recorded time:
h=4 m=4
